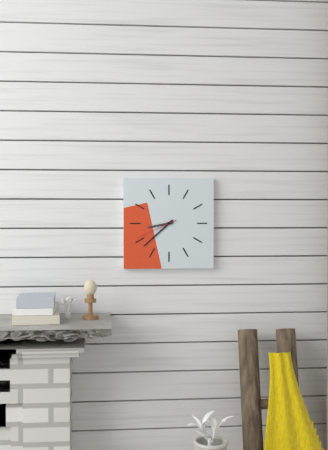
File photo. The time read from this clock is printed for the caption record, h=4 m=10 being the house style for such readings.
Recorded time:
h=8 m=38
